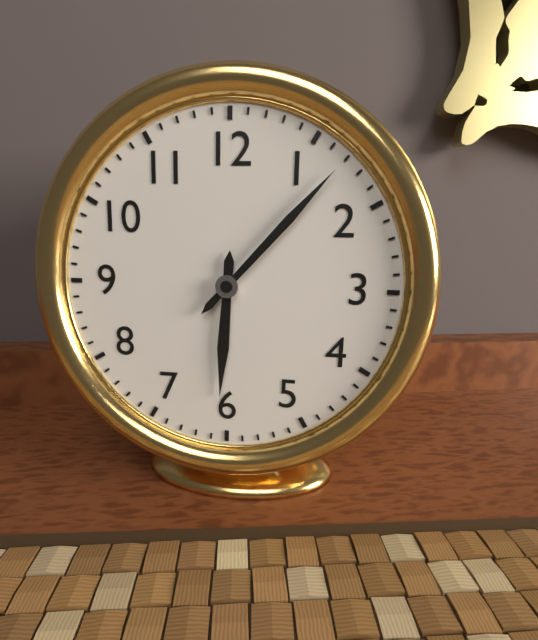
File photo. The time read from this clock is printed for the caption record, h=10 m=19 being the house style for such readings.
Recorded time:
h=6 m=7
